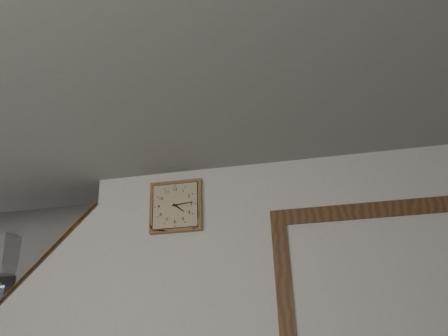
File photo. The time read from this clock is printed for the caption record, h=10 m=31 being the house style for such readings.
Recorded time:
h=4 m=14
